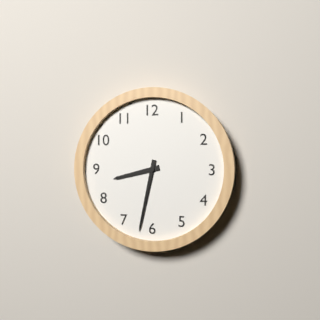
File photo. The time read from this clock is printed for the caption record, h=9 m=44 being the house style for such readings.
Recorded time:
h=8 m=32
